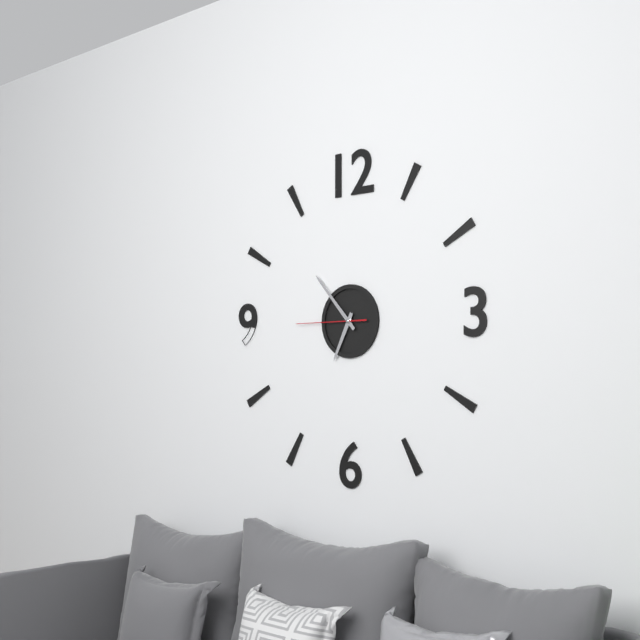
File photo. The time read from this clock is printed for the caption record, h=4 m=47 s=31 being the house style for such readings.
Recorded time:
h=6 m=53 s=45
